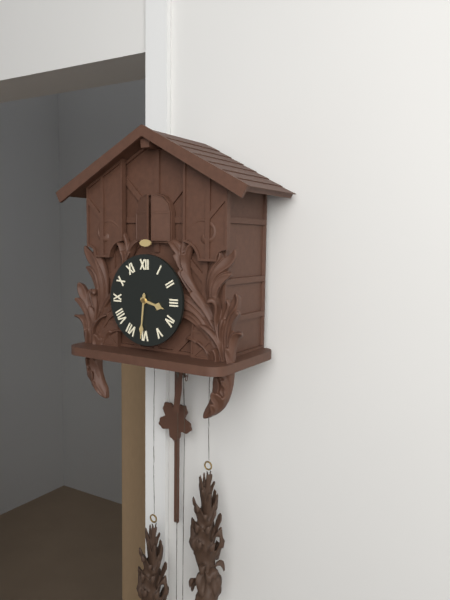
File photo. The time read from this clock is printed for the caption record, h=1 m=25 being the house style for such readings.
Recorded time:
h=3 m=31
